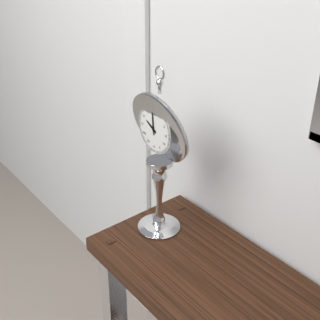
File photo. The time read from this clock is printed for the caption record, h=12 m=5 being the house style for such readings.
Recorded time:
h=9 m=59
